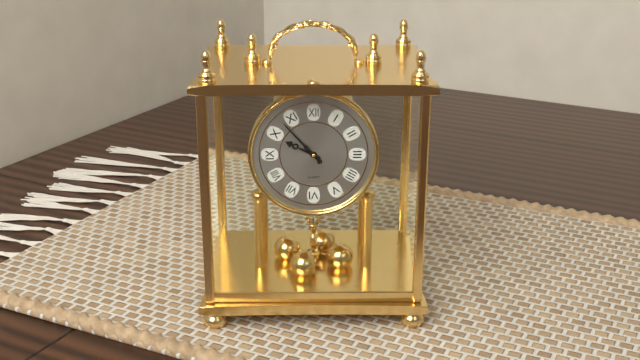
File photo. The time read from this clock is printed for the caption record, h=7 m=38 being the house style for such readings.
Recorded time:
h=9 m=53
